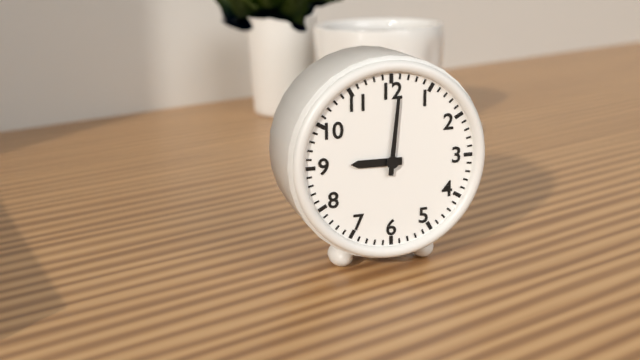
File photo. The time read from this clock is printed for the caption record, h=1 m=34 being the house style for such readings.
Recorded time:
h=9 m=1
